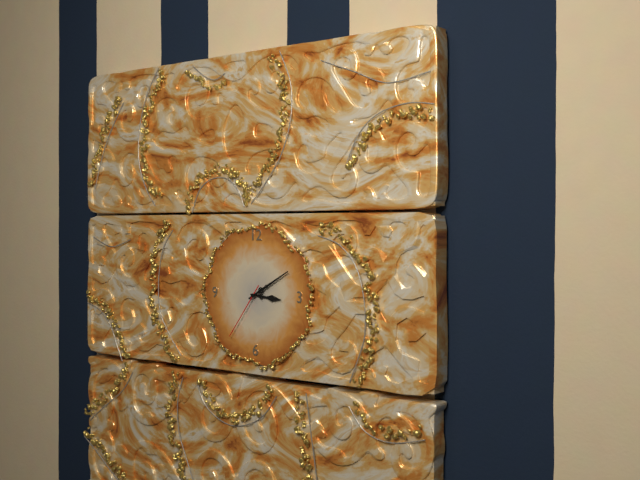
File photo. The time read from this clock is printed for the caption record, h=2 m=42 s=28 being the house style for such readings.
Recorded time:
h=3 m=10 s=36
